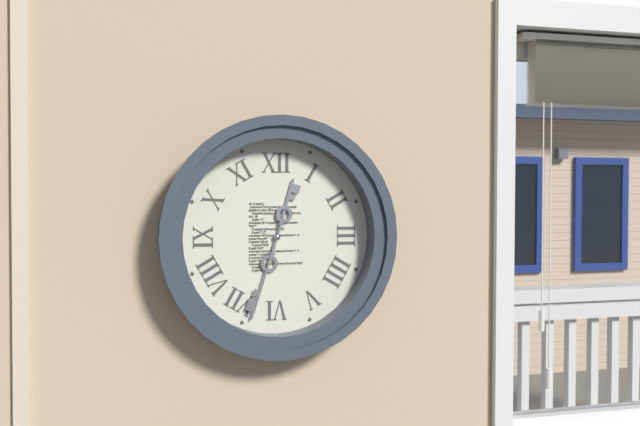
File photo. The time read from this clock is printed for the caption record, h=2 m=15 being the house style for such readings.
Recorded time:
h=12 m=33
